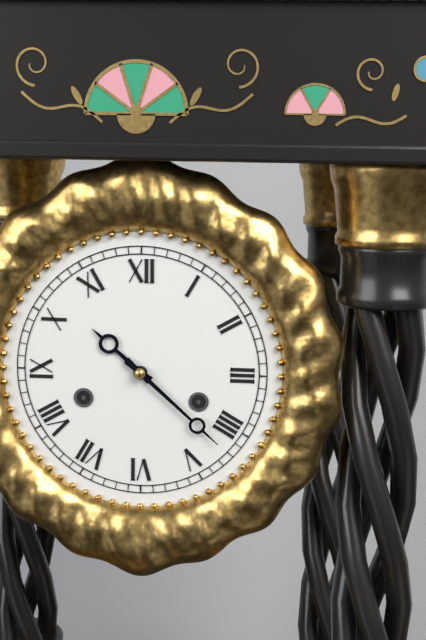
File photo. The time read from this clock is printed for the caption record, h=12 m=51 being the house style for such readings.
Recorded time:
h=10 m=22
